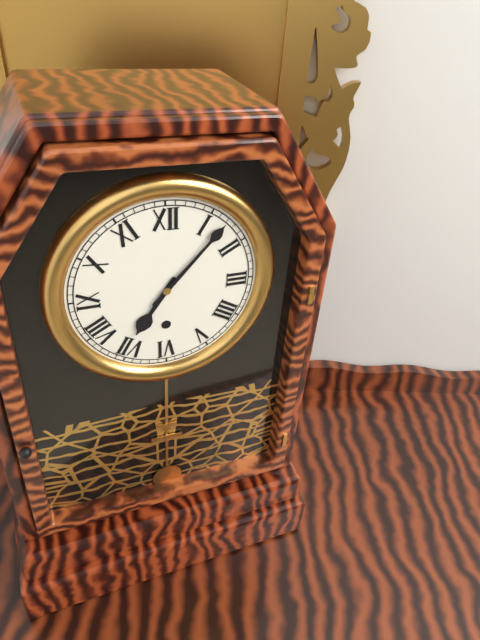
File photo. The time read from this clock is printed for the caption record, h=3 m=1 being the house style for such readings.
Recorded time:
h=7 m=7
